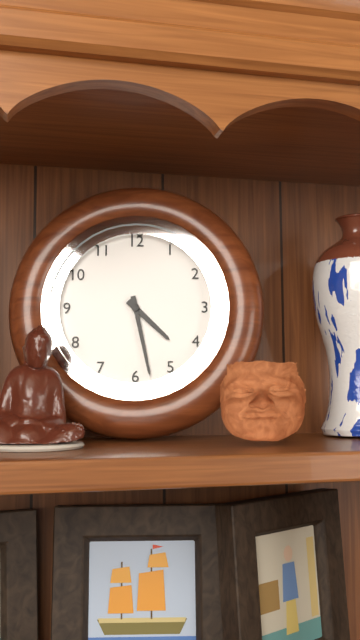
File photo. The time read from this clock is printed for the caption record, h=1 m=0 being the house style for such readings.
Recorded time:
h=4 m=28
